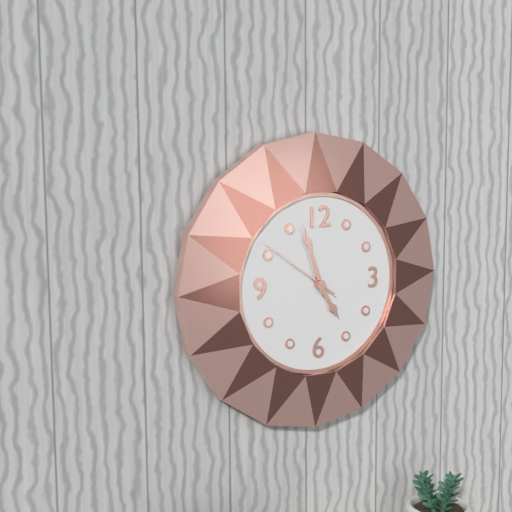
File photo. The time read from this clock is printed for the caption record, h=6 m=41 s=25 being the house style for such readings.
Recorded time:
h=4 m=57 s=51
